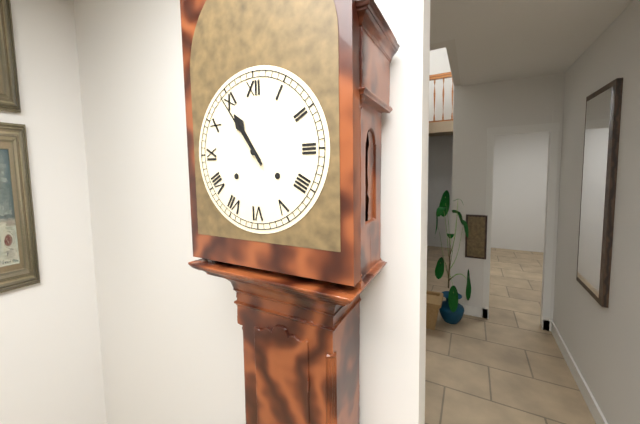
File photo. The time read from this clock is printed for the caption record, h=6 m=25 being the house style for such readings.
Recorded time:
h=10 m=54
